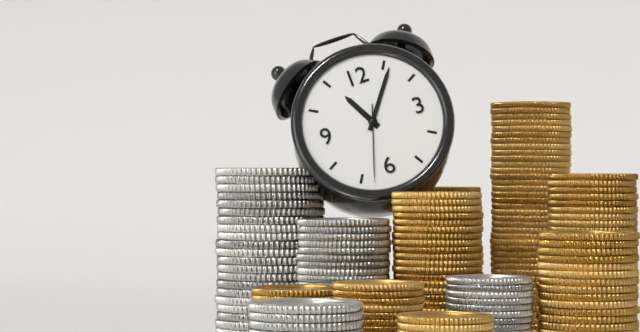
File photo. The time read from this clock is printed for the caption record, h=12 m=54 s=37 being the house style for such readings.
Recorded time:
h=11 m=6 s=33
